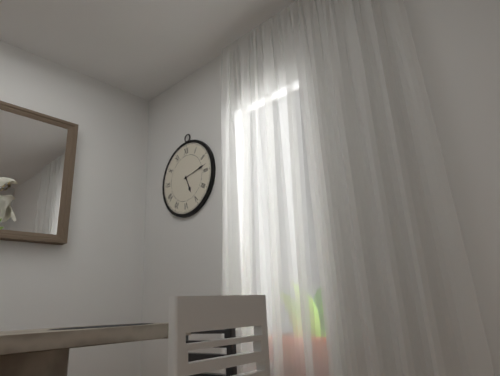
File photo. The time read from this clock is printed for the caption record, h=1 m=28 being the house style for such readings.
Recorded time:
h=5 m=13
